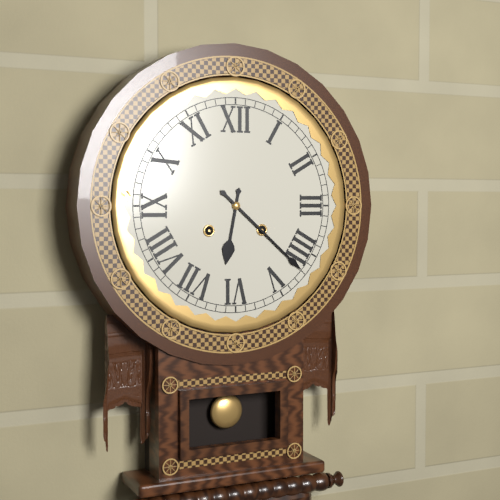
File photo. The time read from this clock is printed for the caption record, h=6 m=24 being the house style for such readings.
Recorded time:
h=6 m=22
